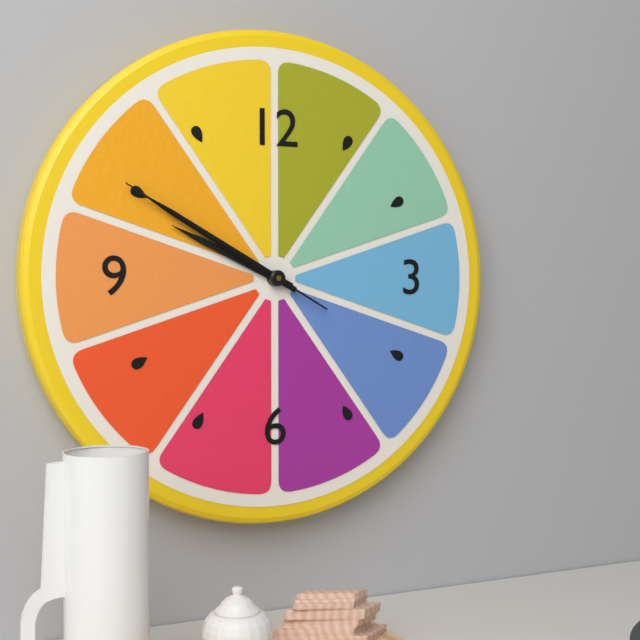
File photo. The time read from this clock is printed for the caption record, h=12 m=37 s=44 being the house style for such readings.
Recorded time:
h=9 m=50 s=50
